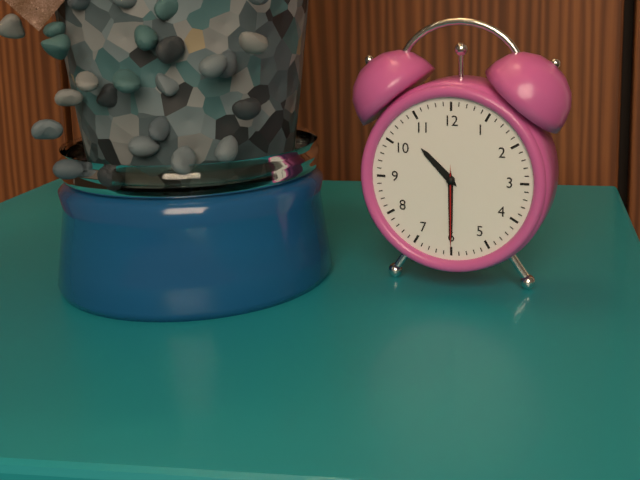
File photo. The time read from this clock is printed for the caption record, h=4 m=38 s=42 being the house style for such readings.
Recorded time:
h=10 m=30 s=30
